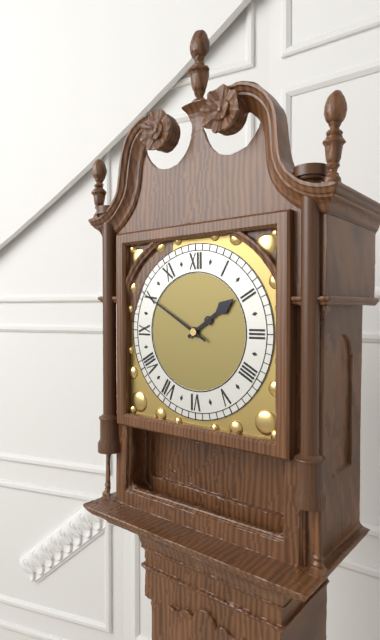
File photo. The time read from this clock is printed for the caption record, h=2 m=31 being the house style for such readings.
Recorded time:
h=1 m=50
